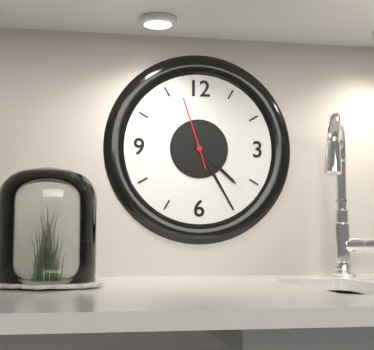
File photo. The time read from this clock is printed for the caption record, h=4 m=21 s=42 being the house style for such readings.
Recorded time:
h=4 m=25 s=57
